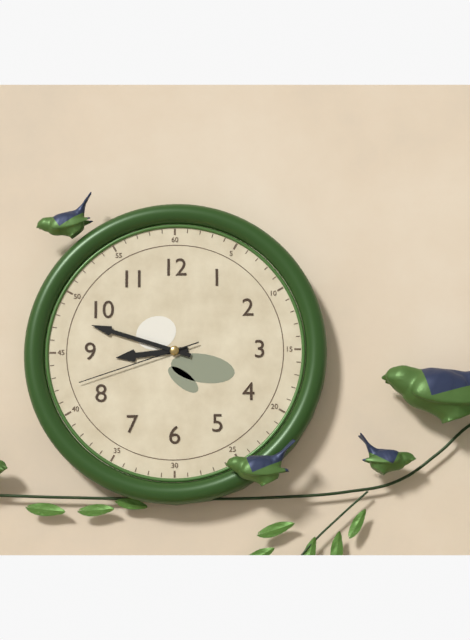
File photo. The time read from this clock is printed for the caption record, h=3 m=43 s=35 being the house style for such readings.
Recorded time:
h=8 m=48 s=42
